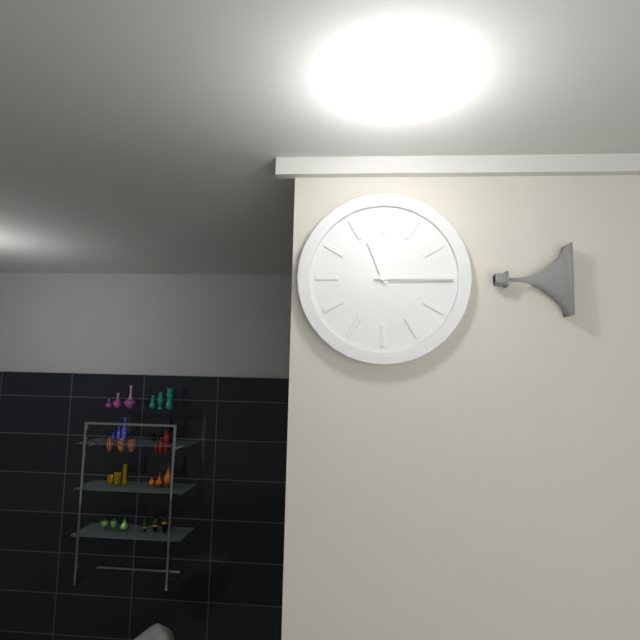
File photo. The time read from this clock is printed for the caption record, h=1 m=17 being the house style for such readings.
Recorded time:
h=11 m=15
